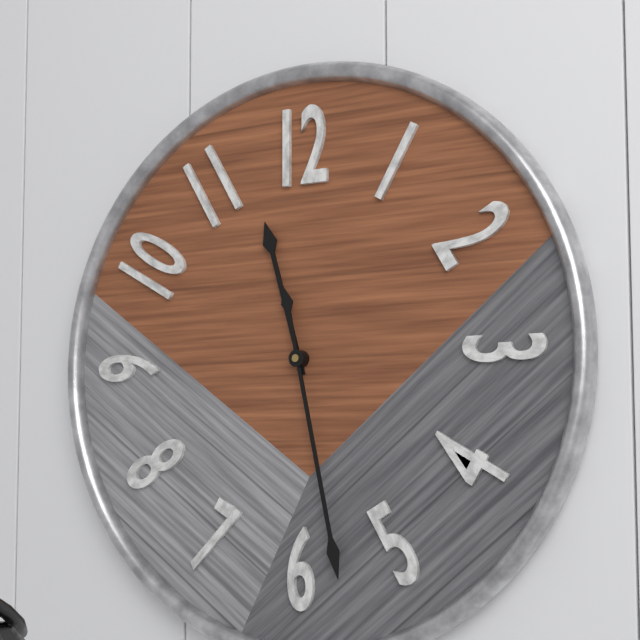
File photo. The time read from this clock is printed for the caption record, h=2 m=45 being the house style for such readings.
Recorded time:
h=11 m=28
